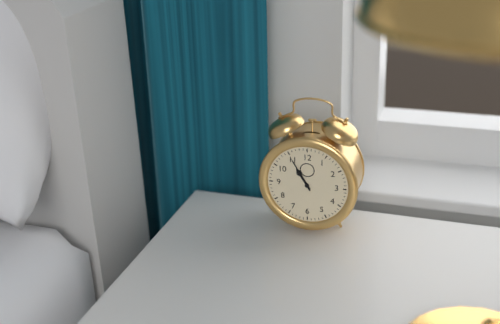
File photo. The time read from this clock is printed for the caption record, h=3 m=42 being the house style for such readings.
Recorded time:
h=10 m=55
